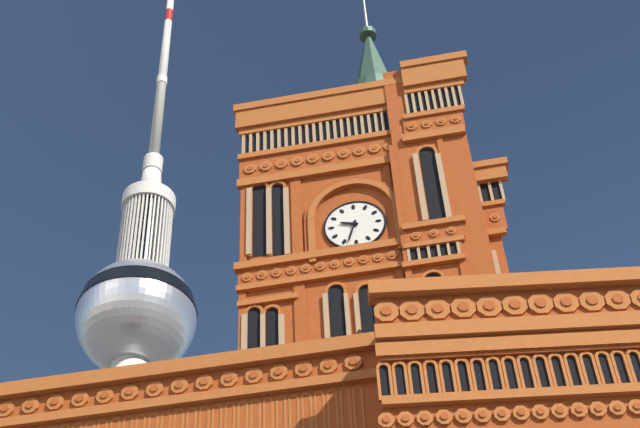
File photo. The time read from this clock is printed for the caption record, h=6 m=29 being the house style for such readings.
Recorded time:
h=9 m=33
